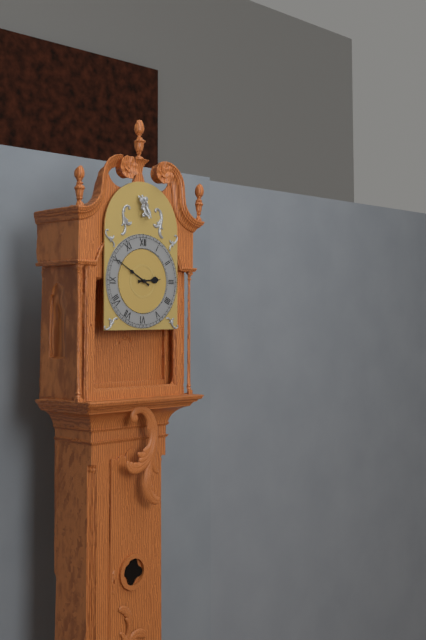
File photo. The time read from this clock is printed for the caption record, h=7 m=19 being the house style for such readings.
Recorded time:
h=2 m=50
